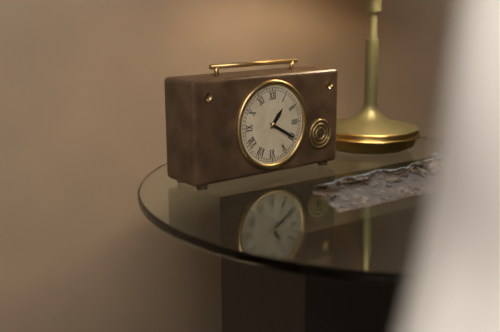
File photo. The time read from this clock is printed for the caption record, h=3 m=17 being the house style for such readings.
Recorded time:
h=1 m=20
